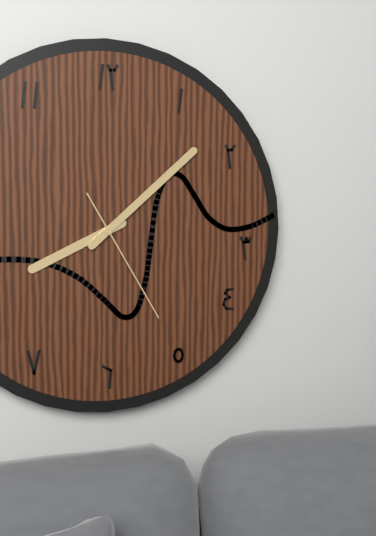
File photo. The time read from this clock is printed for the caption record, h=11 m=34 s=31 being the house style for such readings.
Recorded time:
h=8 m=8 s=25
